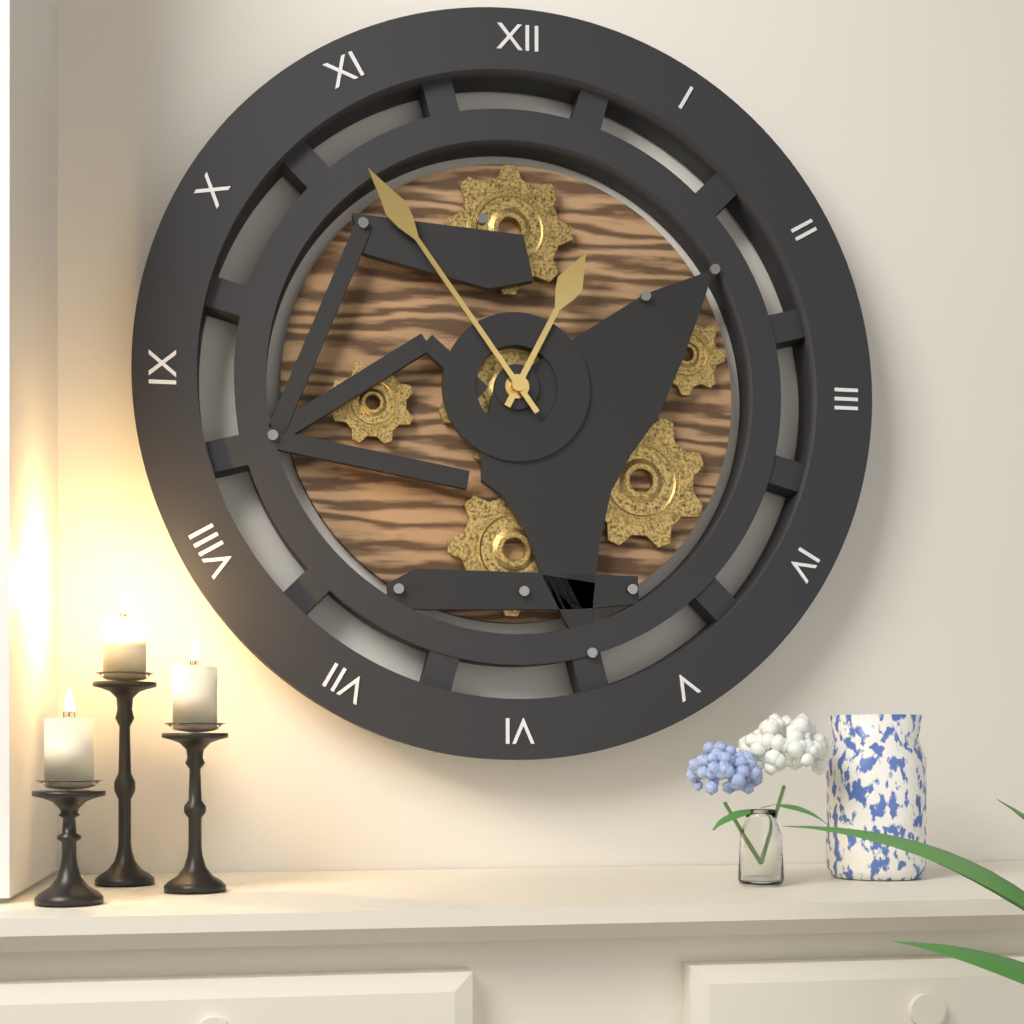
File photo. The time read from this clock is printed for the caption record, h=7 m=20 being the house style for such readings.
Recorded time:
h=12 m=54
